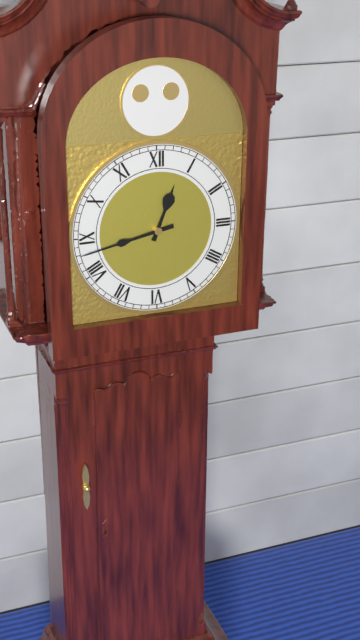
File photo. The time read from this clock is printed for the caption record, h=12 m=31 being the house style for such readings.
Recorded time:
h=12 m=43
